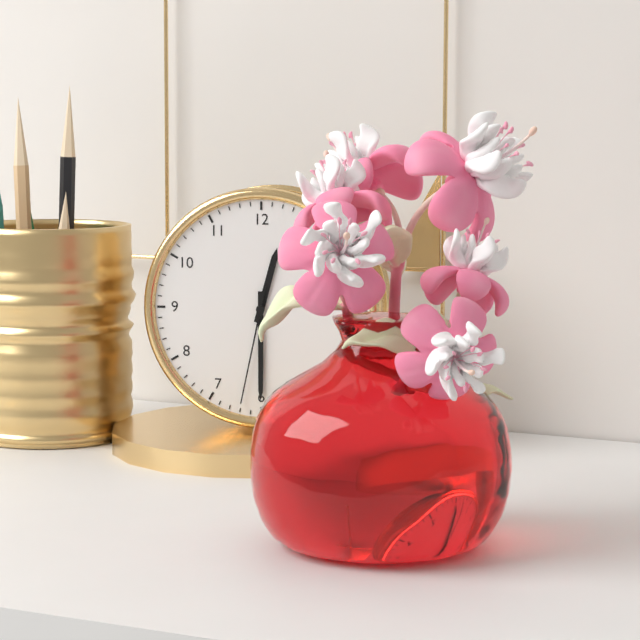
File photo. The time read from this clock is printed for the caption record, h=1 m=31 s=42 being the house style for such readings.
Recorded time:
h=12 m=30 s=32
